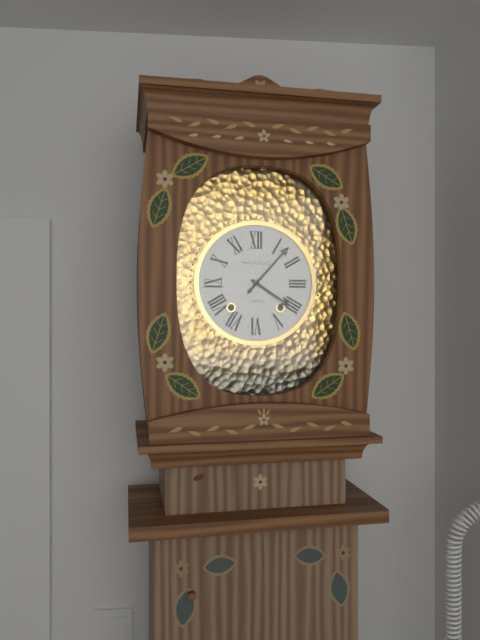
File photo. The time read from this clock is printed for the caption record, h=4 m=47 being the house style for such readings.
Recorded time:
h=4 m=7
